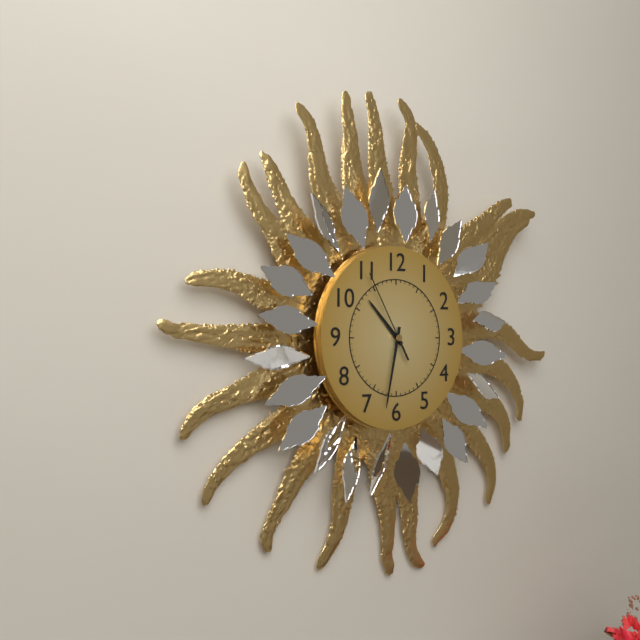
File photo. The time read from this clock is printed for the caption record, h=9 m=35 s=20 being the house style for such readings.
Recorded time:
h=10 m=32 s=55
